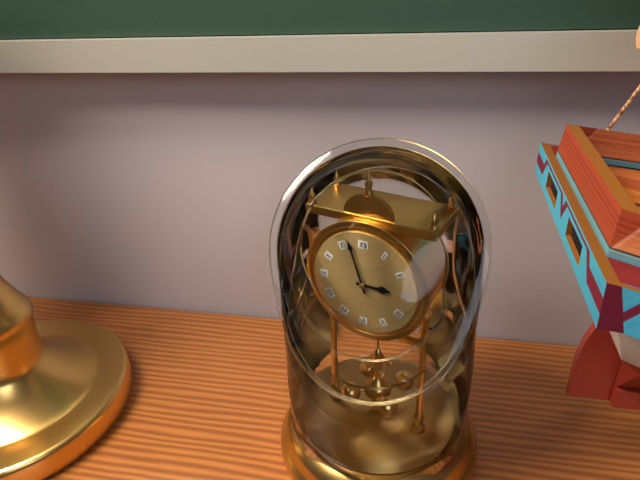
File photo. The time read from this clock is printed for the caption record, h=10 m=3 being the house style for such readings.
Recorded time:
h=2 m=57
